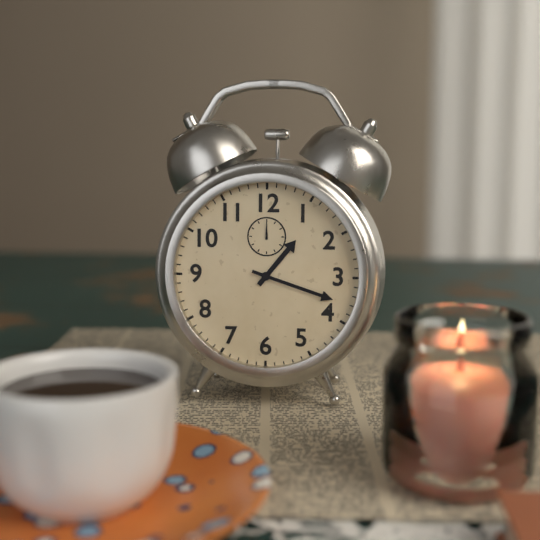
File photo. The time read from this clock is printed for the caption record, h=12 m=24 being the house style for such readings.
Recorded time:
h=1 m=18
